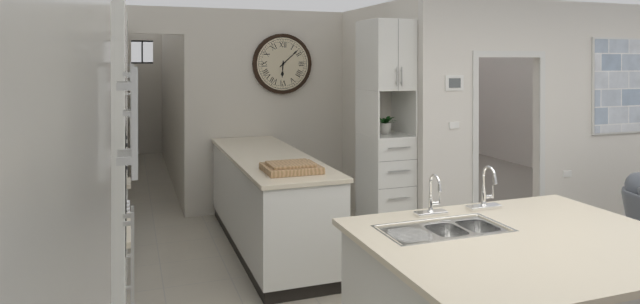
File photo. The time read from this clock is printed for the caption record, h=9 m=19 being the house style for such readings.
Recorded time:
h=6 m=8
